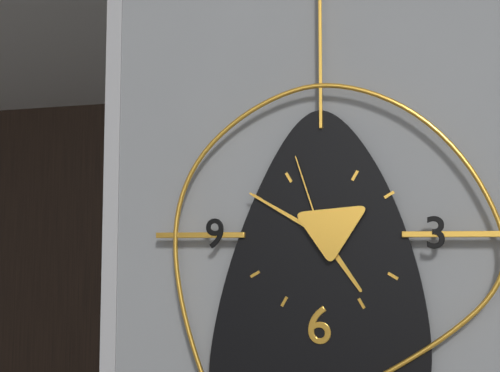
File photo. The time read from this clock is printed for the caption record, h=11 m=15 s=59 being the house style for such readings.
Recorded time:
h=4 m=50 s=57
